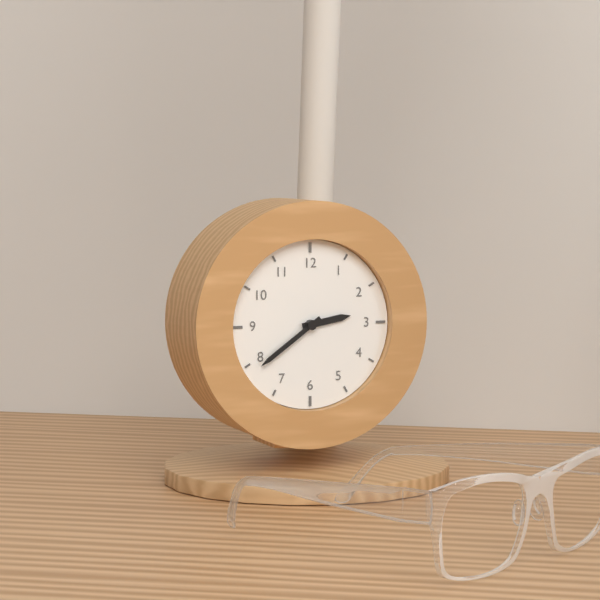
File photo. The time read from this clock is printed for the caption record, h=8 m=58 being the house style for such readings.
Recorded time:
h=2 m=39
